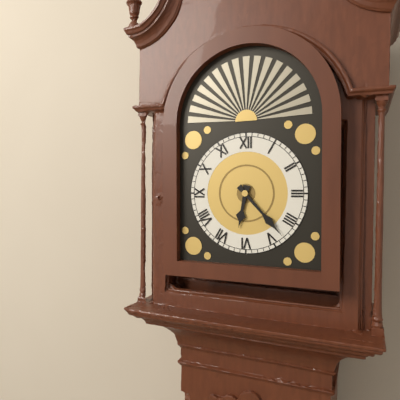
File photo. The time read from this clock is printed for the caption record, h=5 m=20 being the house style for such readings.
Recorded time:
h=6 m=23
